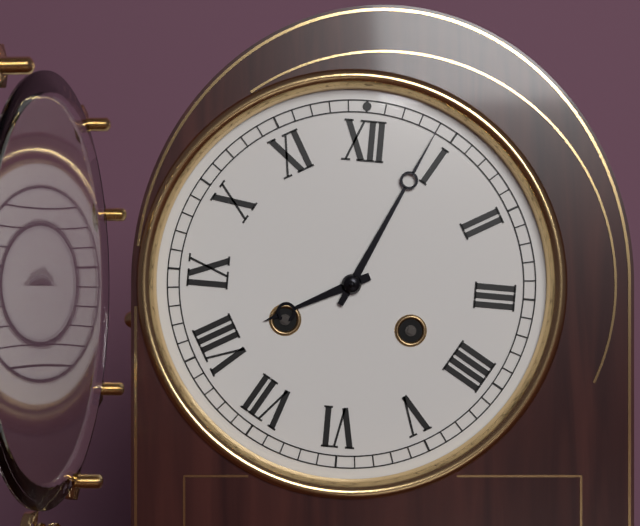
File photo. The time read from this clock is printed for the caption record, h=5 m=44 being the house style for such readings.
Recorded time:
h=8 m=4
